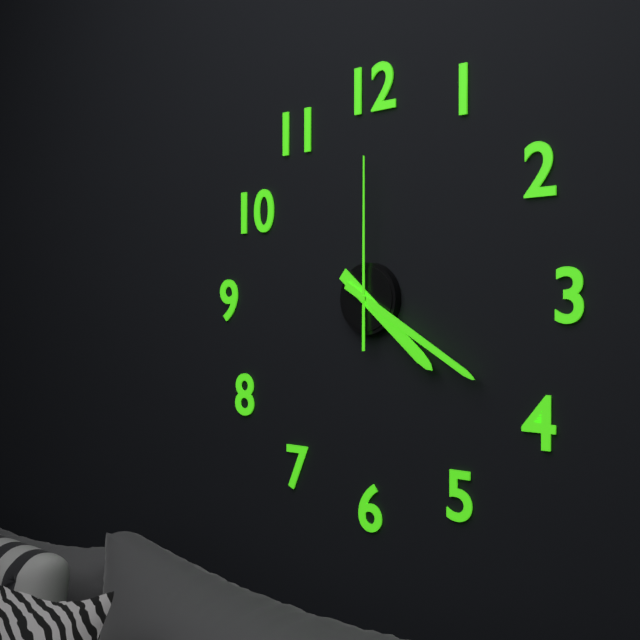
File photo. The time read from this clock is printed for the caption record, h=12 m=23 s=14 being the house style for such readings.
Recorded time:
h=4 m=20 s=0
